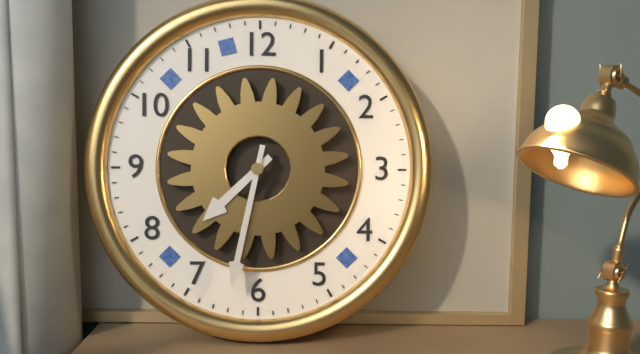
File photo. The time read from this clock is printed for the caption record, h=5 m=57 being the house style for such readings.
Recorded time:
h=7 m=32
